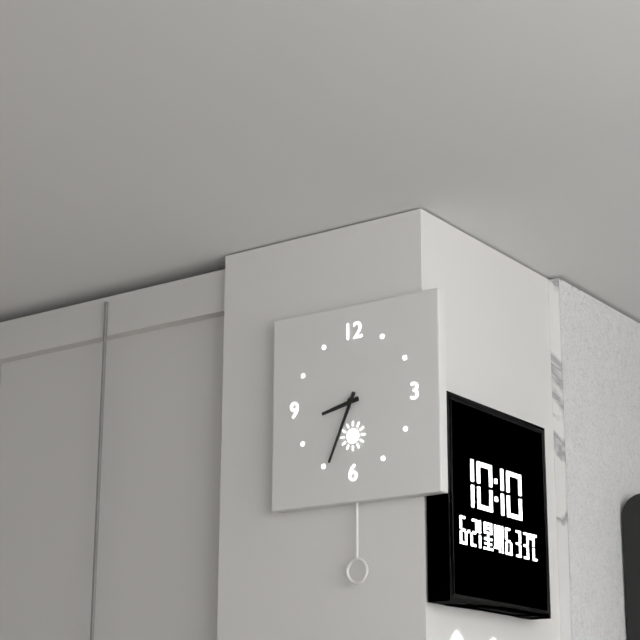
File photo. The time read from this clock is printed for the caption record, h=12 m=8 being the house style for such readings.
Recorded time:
h=8 m=34
